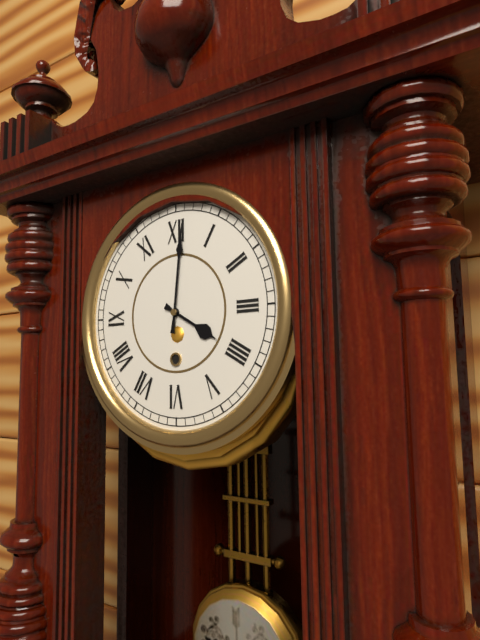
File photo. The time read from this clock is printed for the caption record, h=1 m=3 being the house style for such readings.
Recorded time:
h=4 m=1
